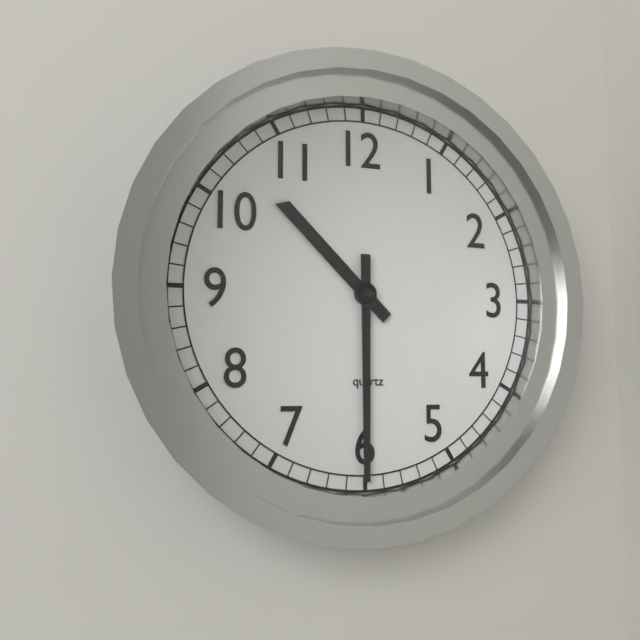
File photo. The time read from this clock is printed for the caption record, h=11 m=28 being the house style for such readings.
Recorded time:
h=10 m=30
